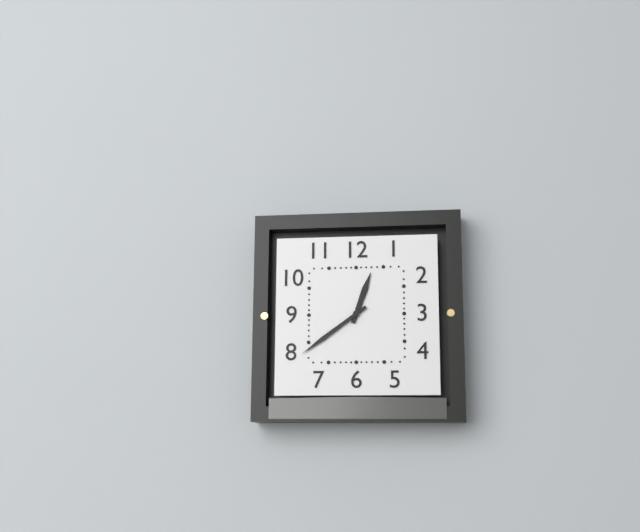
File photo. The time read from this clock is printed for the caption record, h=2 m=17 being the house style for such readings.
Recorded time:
h=12 m=39
